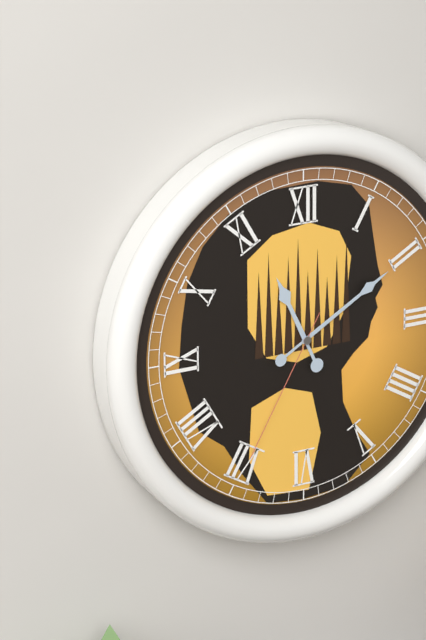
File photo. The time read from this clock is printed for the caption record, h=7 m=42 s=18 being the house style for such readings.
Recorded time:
h=11 m=10 s=35
